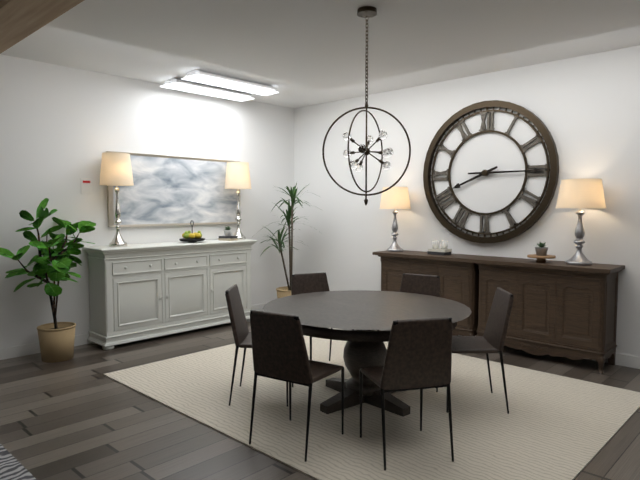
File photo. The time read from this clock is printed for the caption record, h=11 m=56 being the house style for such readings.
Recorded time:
h=8 m=15
